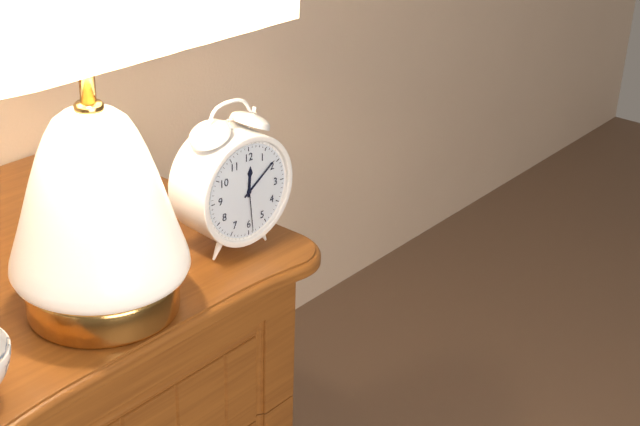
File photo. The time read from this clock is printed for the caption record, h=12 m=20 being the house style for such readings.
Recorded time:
h=12 m=9
